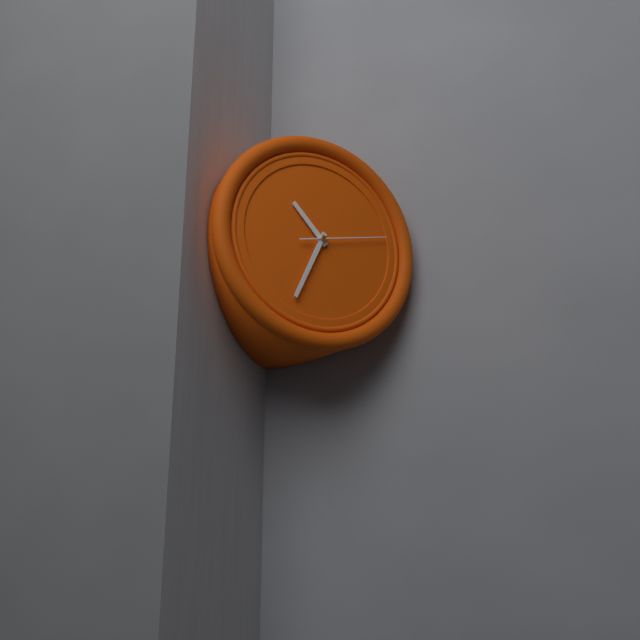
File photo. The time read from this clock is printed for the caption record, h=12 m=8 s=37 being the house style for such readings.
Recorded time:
h=10 m=34 s=13
